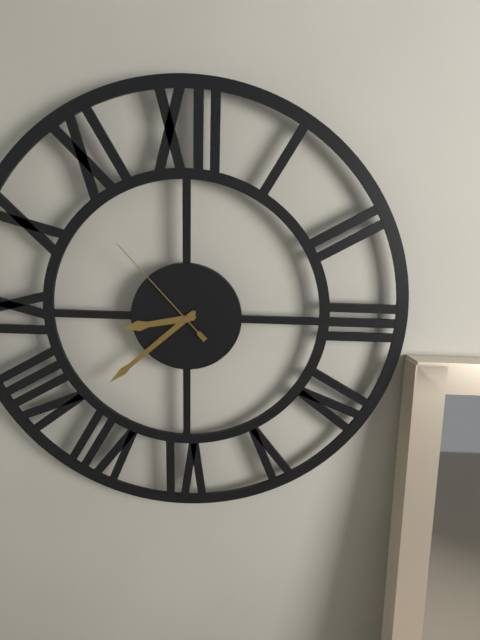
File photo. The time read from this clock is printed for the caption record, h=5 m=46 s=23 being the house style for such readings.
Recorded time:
h=8 m=38 s=53
